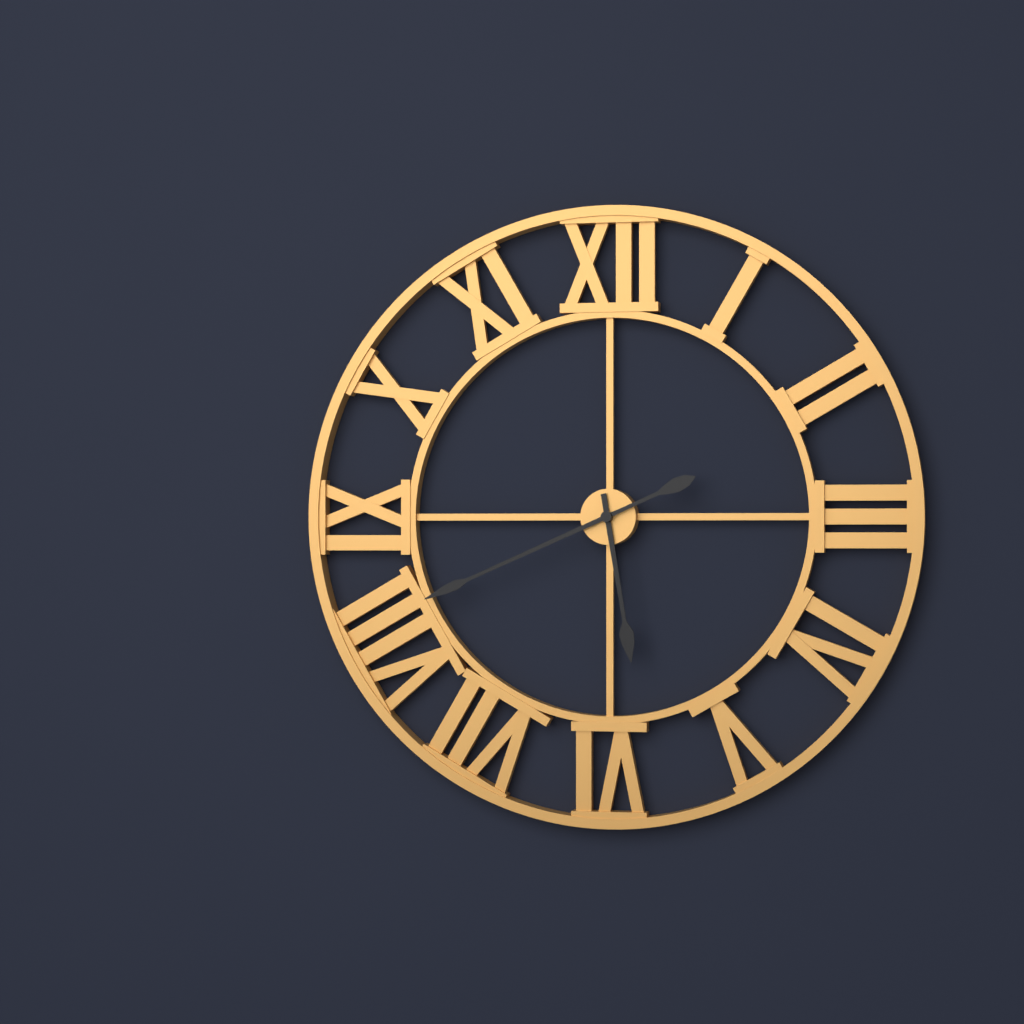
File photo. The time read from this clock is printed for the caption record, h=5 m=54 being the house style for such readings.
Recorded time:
h=5 m=41
